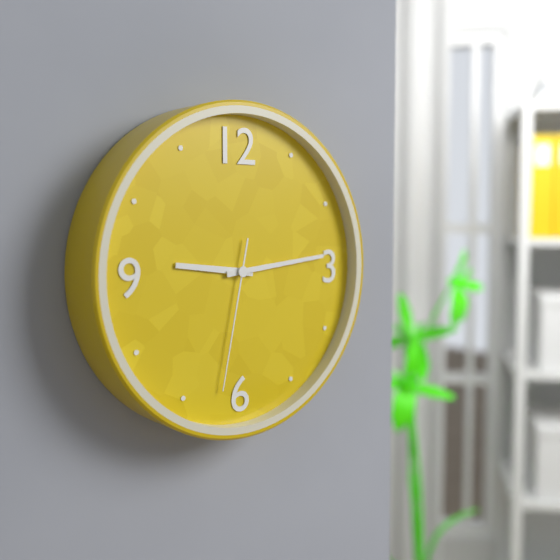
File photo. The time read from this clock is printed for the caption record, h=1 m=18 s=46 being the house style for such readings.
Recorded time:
h=9 m=14 s=32
